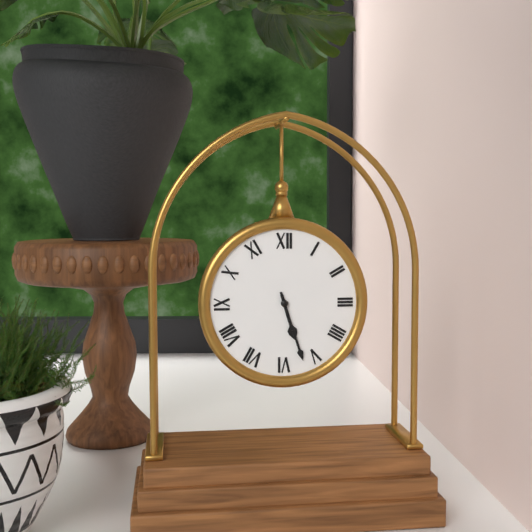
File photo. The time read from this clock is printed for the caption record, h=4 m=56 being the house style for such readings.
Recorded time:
h=5 m=27
